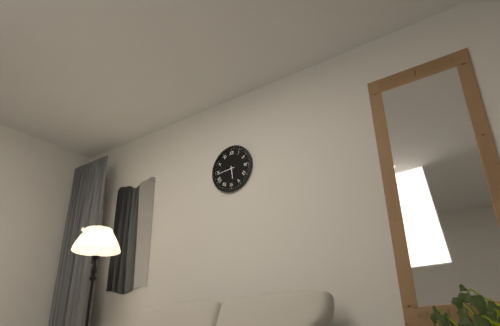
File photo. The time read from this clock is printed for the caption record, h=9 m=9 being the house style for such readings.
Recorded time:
h=5 m=44
